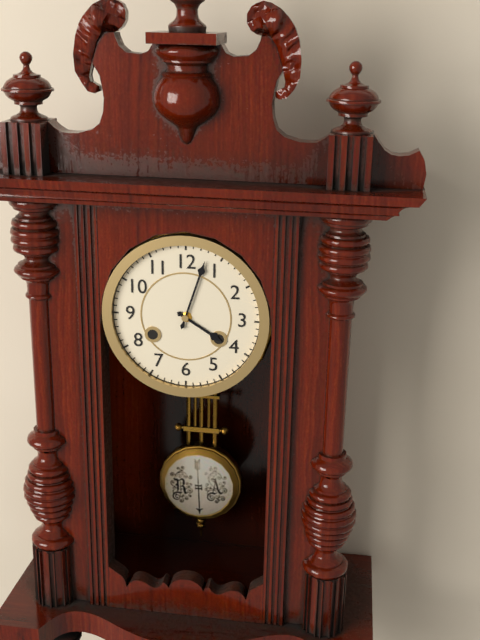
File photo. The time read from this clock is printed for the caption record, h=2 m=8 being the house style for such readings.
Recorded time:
h=4 m=3
